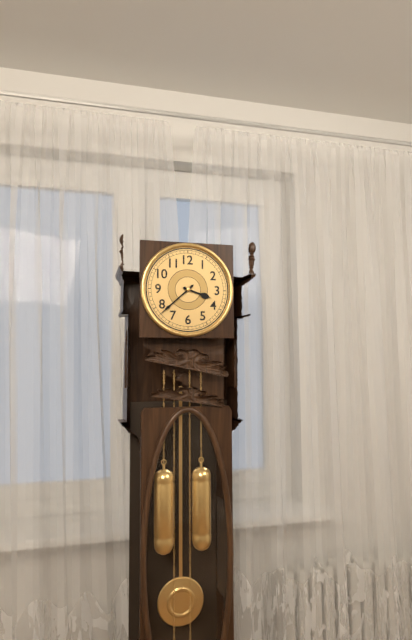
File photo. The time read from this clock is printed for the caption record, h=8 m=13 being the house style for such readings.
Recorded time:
h=3 m=38
